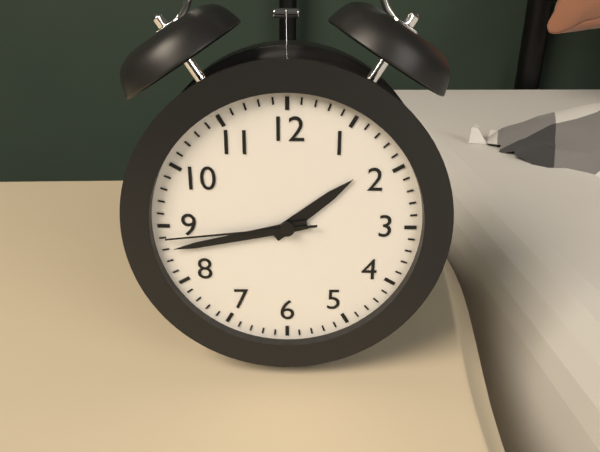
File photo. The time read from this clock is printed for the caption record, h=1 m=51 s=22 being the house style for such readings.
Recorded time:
h=1 m=43 s=44
